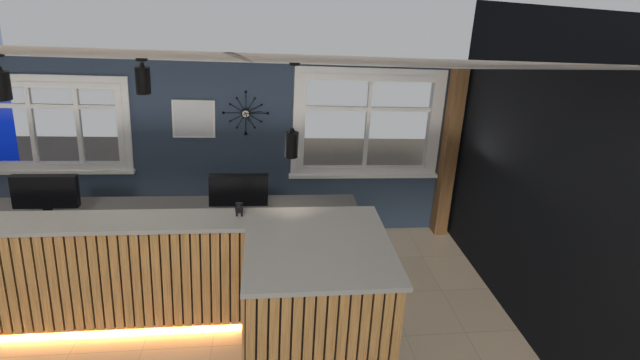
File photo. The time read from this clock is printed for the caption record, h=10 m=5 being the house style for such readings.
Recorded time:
h=5 m=13
